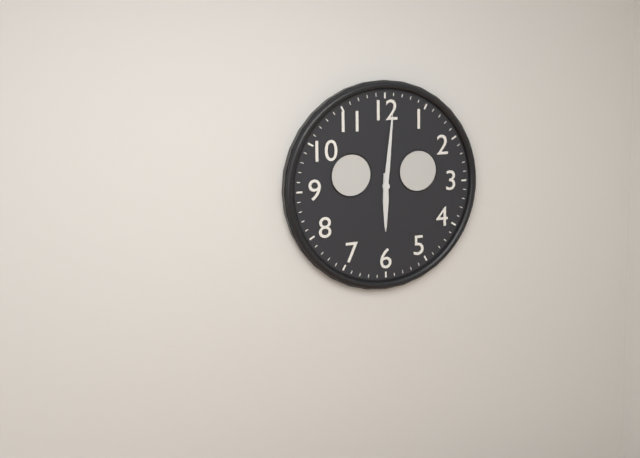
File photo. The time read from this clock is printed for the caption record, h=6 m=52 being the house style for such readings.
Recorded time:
h=6 m=1
